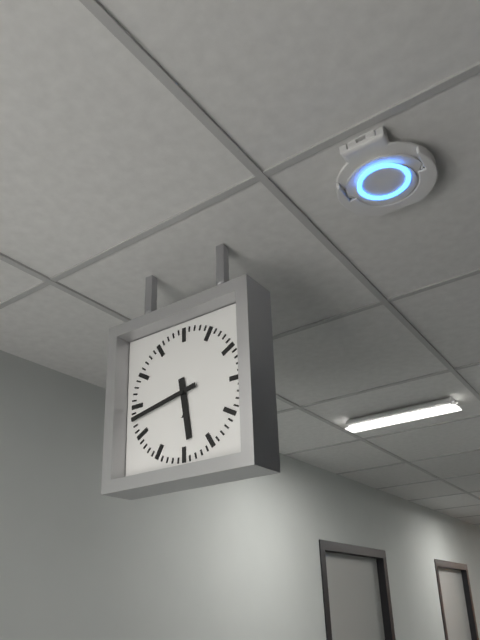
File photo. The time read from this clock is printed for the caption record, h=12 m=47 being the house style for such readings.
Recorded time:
h=5 m=43
